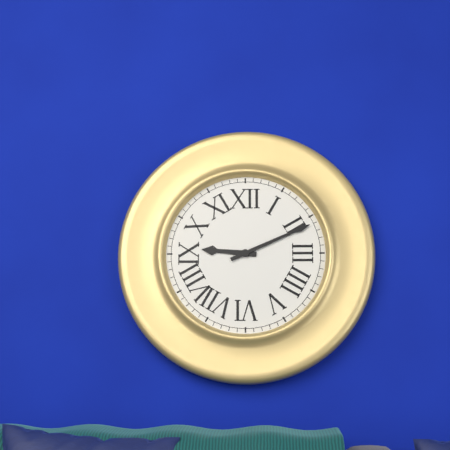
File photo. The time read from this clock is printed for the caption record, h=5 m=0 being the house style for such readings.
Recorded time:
h=9 m=11
